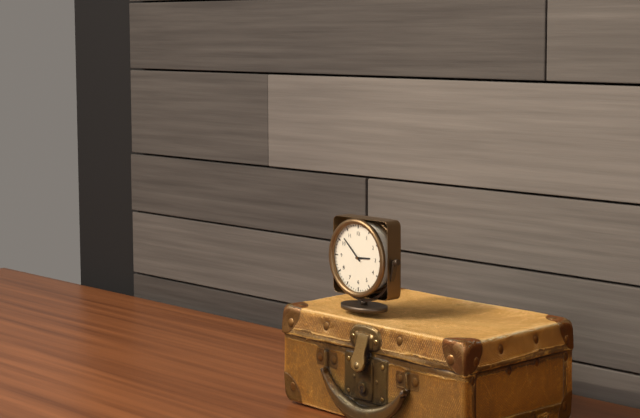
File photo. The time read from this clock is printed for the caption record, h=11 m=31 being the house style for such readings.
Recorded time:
h=2 m=52
